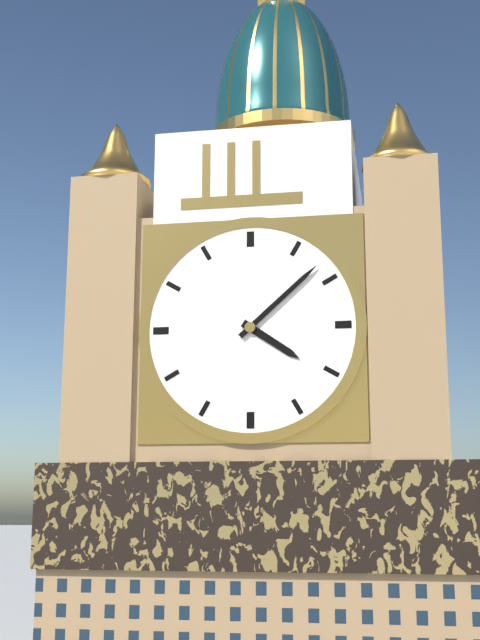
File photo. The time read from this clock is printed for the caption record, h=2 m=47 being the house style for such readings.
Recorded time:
h=4 m=8
